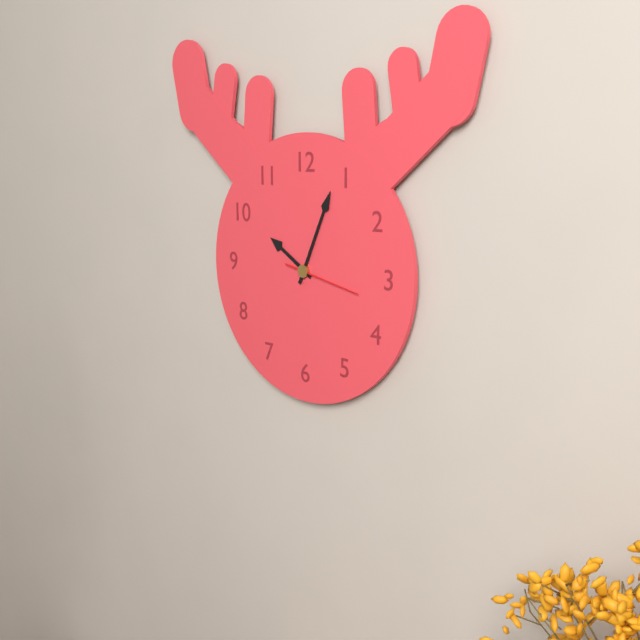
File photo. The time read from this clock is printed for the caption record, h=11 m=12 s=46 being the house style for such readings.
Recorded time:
h=10 m=4 s=17
